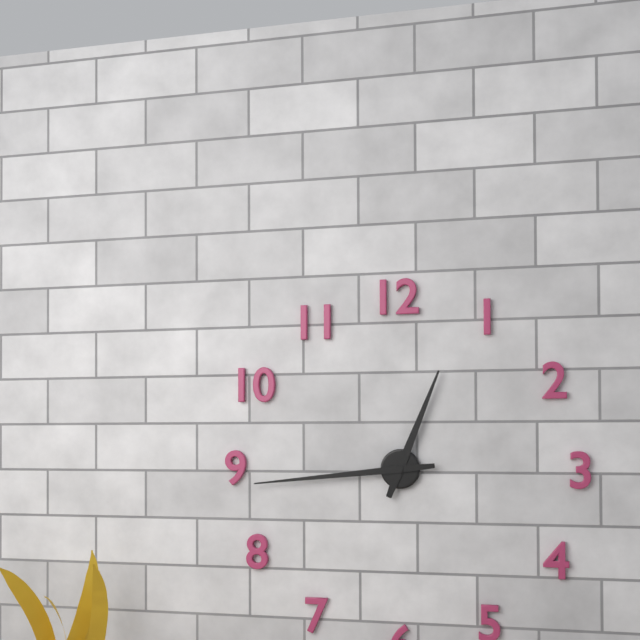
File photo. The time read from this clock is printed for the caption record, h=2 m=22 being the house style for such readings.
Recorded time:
h=12 m=44
